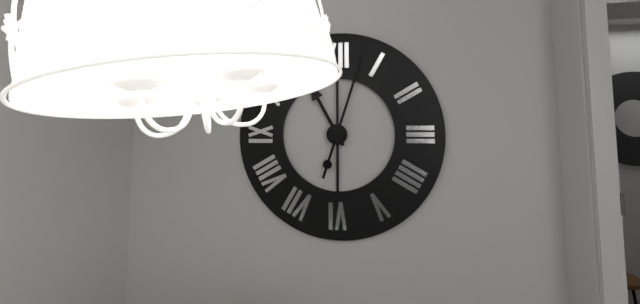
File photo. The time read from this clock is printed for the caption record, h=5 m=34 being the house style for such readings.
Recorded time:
h=11 m=3
